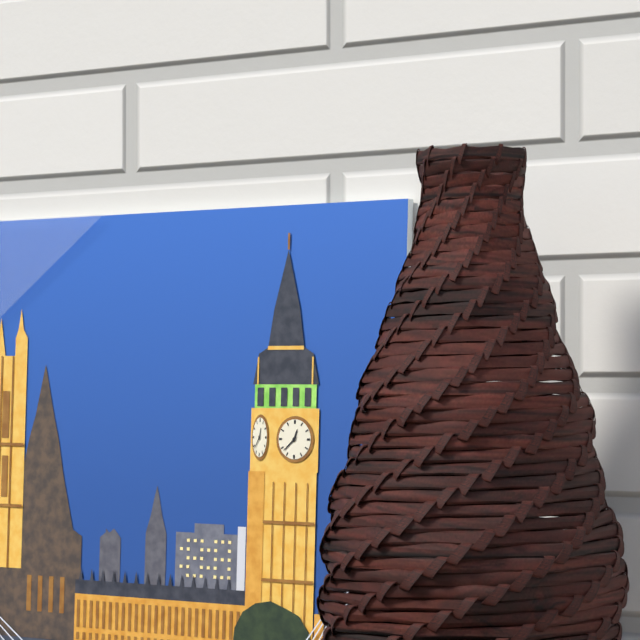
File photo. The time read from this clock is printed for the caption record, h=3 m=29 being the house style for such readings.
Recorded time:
h=12 m=38
